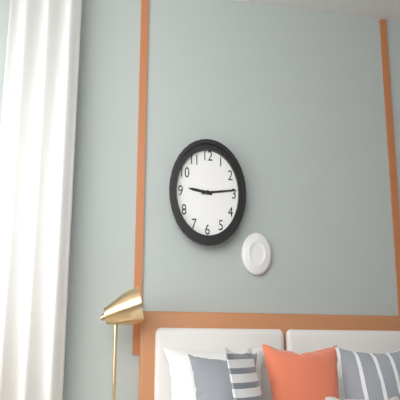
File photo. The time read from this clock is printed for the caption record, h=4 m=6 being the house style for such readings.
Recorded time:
h=9 m=14
